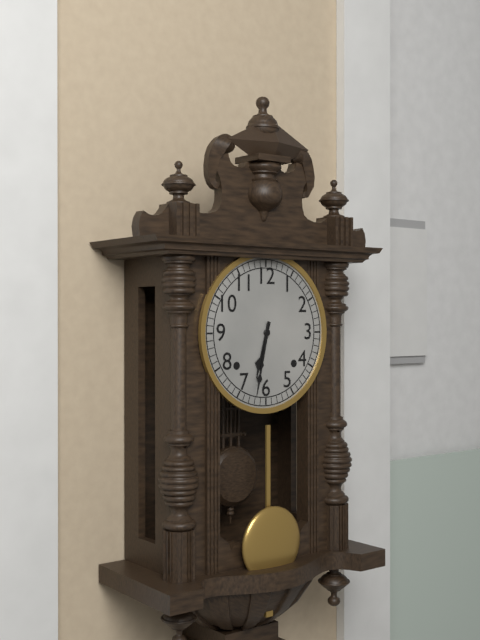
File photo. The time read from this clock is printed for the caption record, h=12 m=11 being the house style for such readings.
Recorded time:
h=6 m=32
